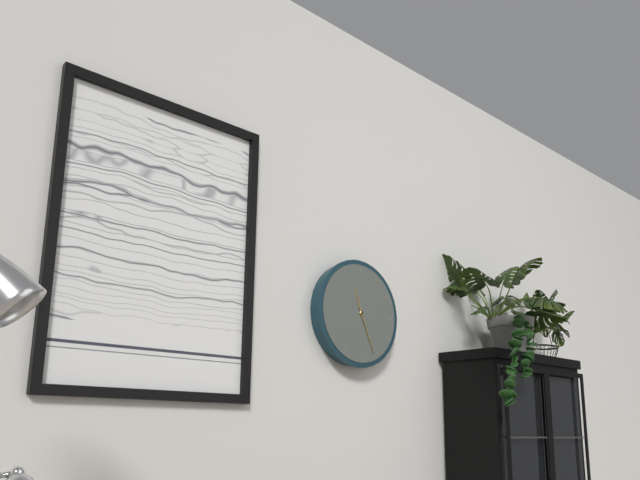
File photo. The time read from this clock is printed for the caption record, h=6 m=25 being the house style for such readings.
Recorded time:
h=11 m=26
